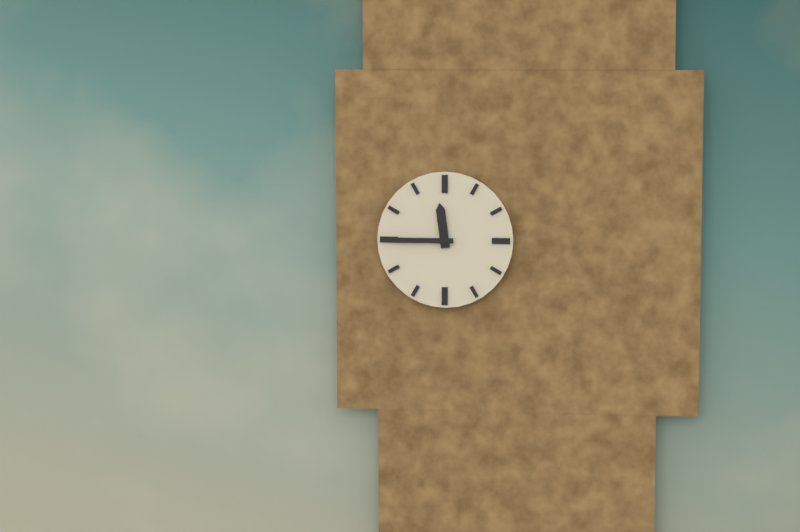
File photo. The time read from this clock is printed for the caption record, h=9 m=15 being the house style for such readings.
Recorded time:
h=11 m=45
